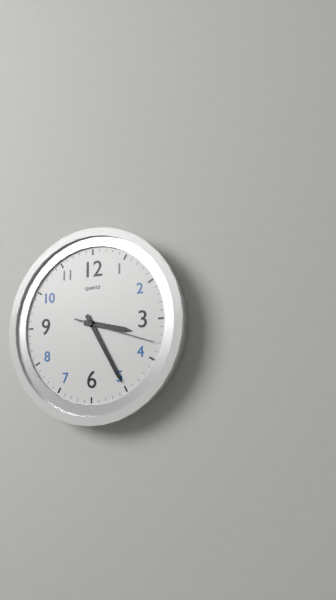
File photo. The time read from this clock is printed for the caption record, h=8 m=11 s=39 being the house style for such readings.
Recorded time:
h=3 m=25 s=18
